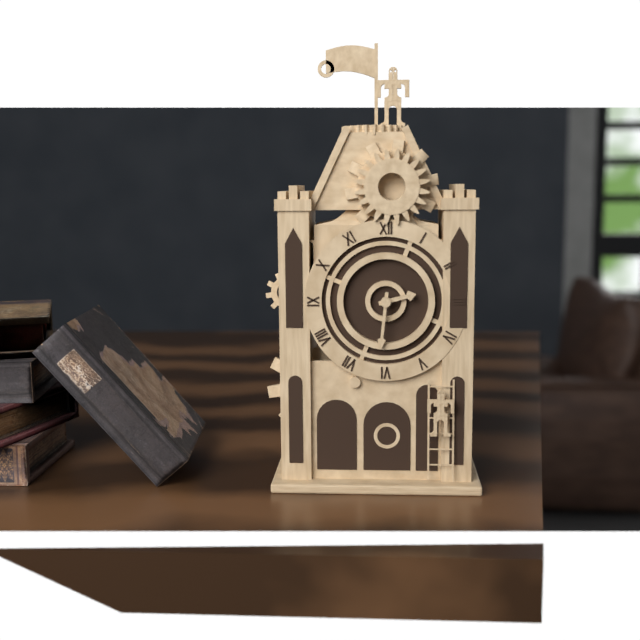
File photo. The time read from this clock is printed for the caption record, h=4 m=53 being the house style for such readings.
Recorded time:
h=2 m=31
